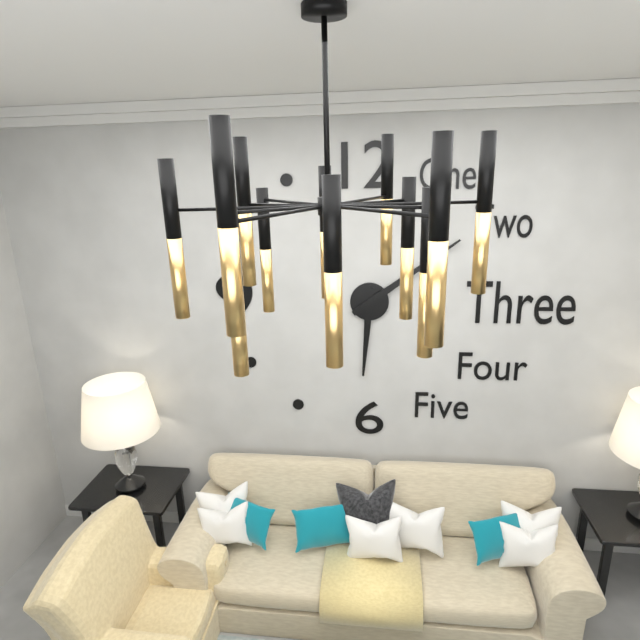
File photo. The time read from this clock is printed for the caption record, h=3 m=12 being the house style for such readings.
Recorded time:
h=6 m=9
